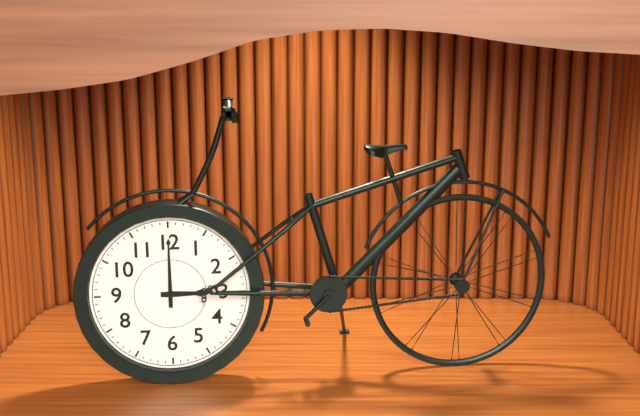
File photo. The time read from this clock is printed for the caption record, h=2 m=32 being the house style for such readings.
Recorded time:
h=3 m=0
